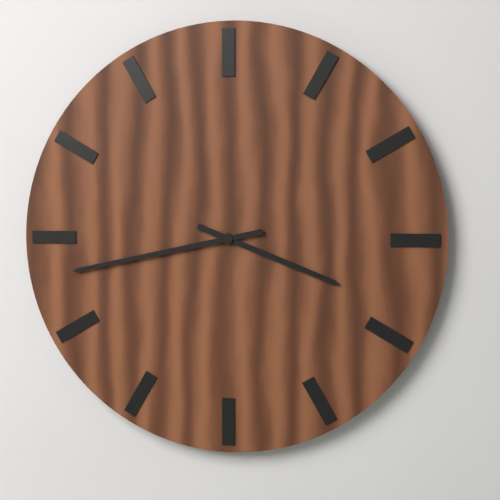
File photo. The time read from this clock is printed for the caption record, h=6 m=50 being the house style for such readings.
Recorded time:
h=3 m=43
